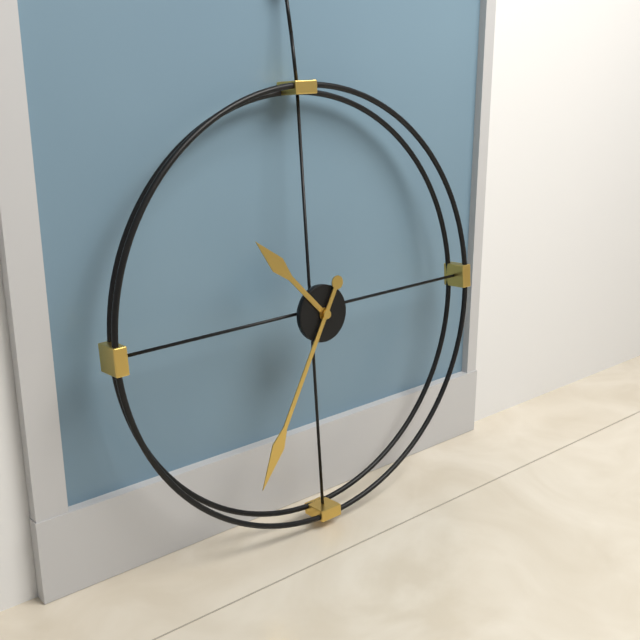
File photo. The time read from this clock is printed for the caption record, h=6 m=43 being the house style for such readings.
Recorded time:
h=10 m=35
